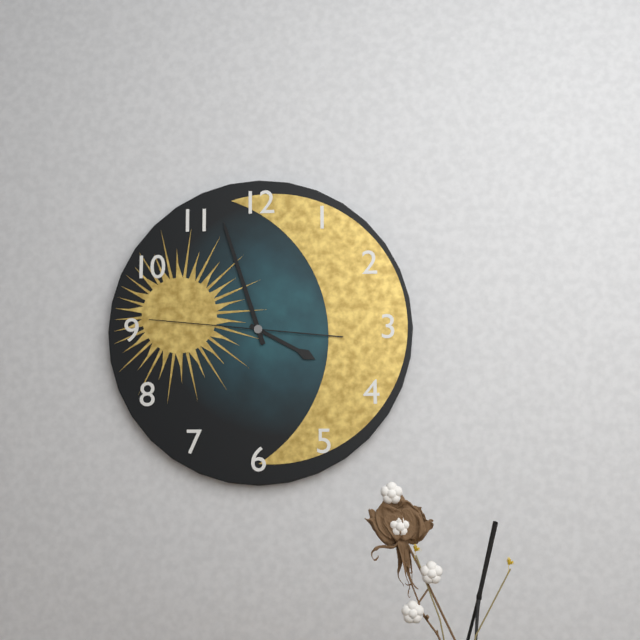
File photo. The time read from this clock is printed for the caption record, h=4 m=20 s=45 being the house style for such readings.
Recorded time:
h=3 m=57 s=46
